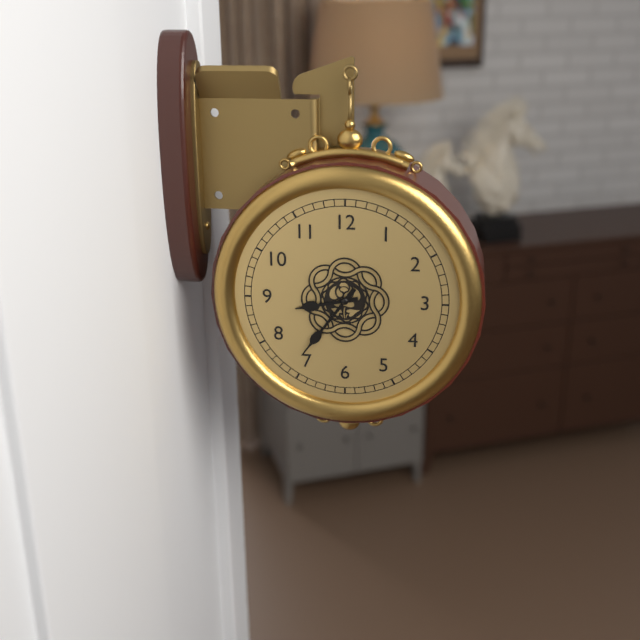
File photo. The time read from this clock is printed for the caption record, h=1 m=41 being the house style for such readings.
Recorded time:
h=8 m=36
